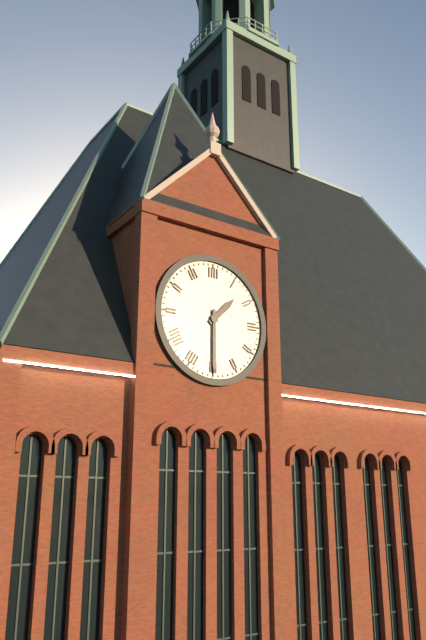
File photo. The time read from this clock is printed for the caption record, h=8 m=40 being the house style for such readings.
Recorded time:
h=1 m=30
